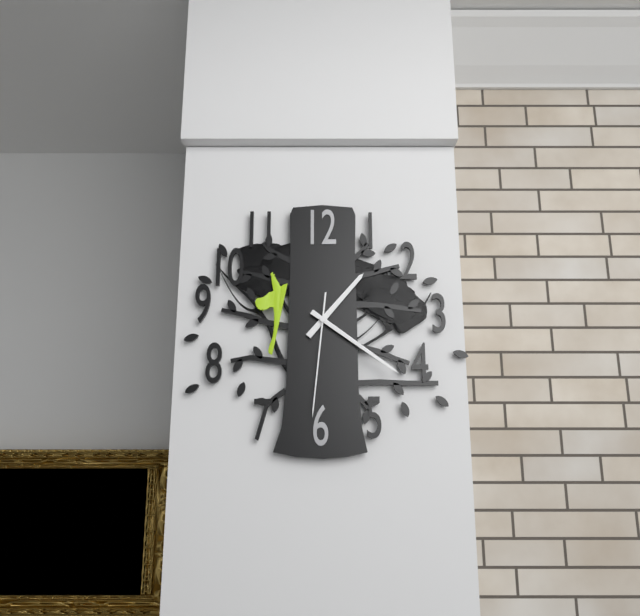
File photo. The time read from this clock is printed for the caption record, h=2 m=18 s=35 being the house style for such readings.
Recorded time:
h=1 m=21 s=31
